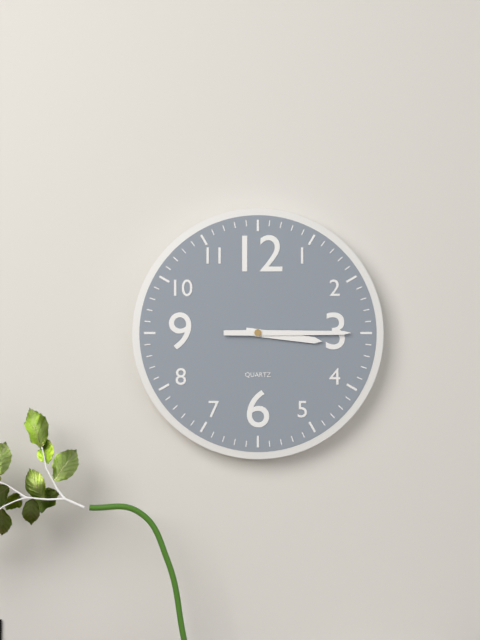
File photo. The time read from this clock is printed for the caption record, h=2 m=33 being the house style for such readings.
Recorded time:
h=3 m=15
